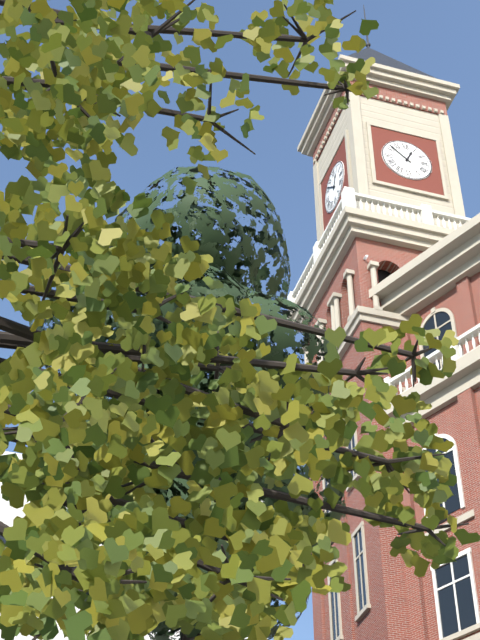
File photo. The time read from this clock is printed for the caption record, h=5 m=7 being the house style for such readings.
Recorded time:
h=12 m=52
